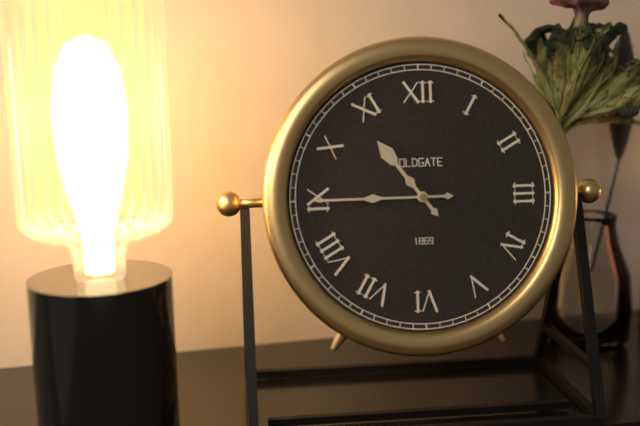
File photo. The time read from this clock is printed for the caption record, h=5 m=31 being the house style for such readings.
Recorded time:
h=10 m=45
